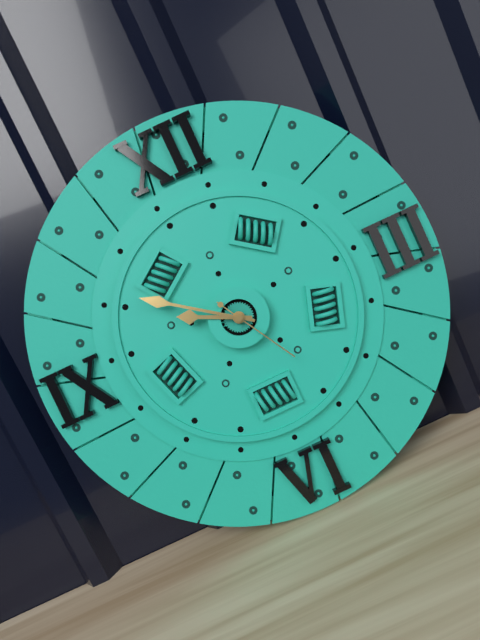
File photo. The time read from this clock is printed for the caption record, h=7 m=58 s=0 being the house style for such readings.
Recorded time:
h=9 m=51 s=25
